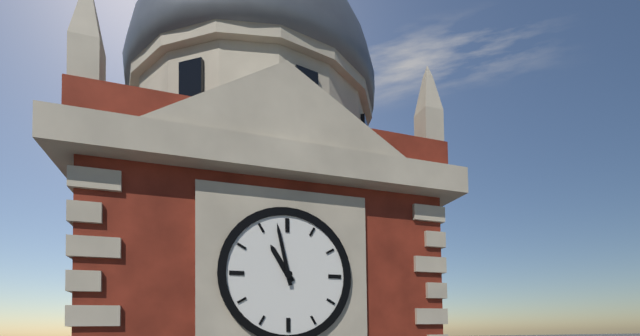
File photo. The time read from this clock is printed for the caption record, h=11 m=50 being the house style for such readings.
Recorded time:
h=10 m=58
